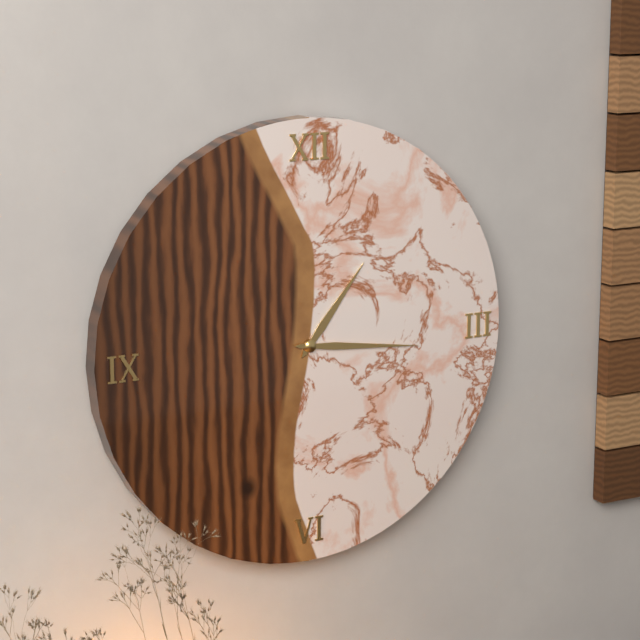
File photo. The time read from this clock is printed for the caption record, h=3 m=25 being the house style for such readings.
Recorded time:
h=1 m=16
